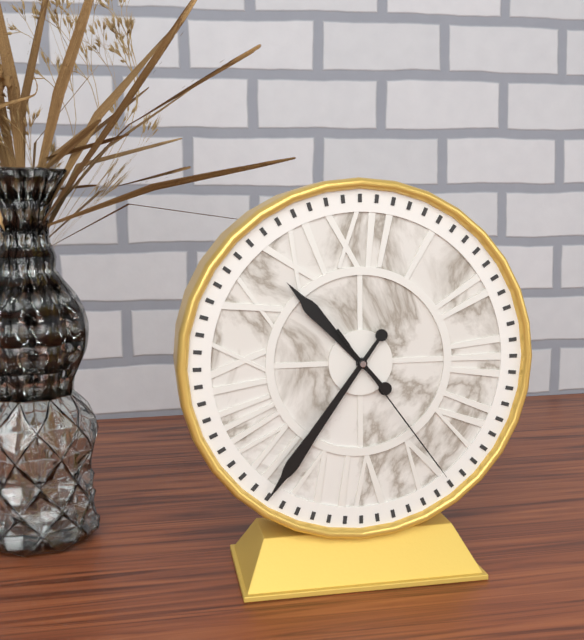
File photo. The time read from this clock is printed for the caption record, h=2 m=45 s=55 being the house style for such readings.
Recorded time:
h=10 m=36 s=24
